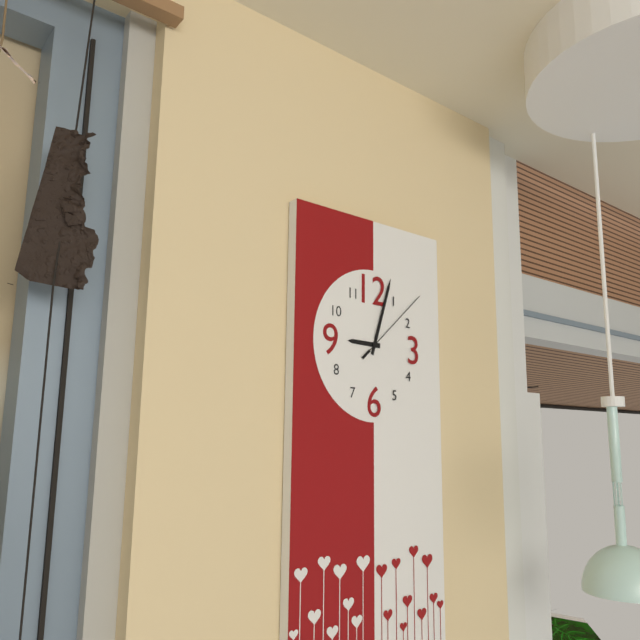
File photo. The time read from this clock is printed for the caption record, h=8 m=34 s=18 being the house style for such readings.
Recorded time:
h=9 m=3 s=8
